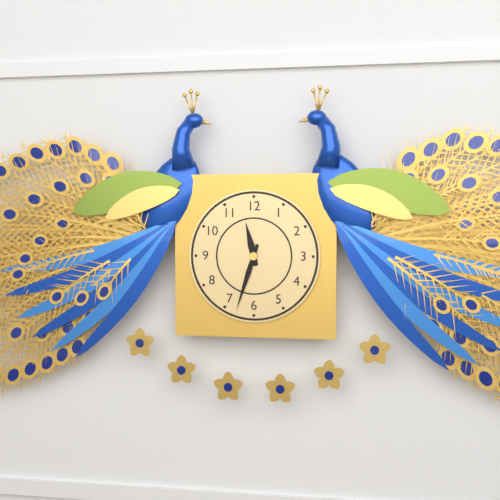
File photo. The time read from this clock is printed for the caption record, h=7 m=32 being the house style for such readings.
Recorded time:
h=11 m=33
